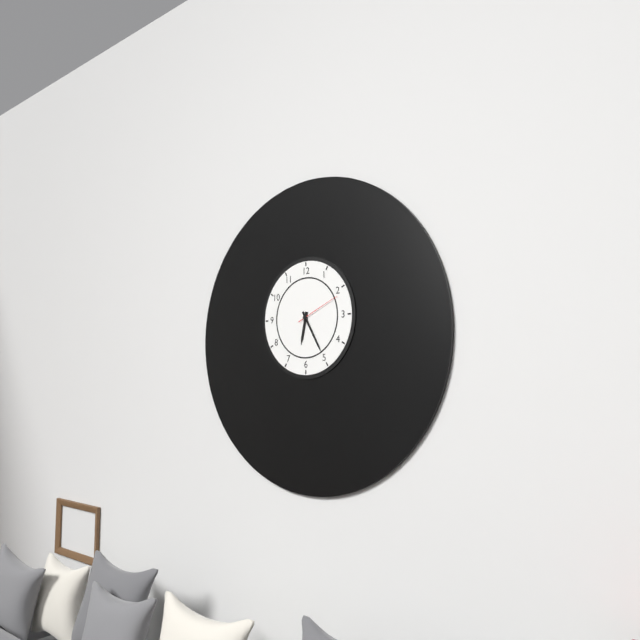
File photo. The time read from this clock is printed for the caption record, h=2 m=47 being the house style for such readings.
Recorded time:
h=6 m=25
